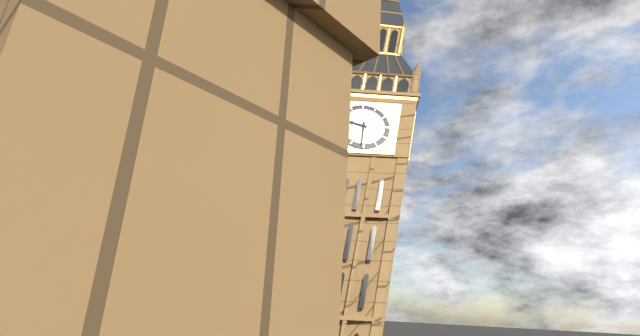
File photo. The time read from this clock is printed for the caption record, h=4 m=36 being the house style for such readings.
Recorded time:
h=9 m=31
